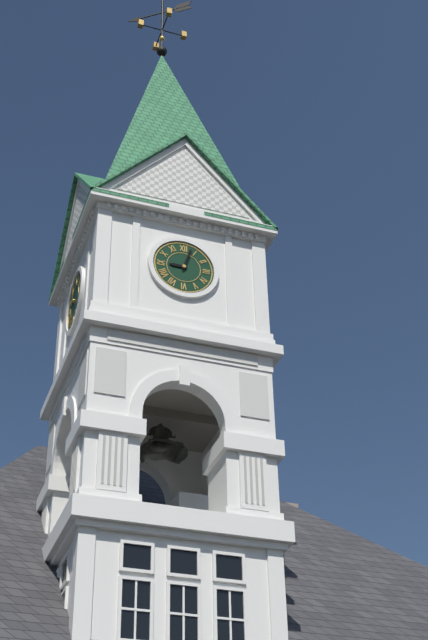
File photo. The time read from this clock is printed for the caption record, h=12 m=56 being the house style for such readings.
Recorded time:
h=9 m=3
